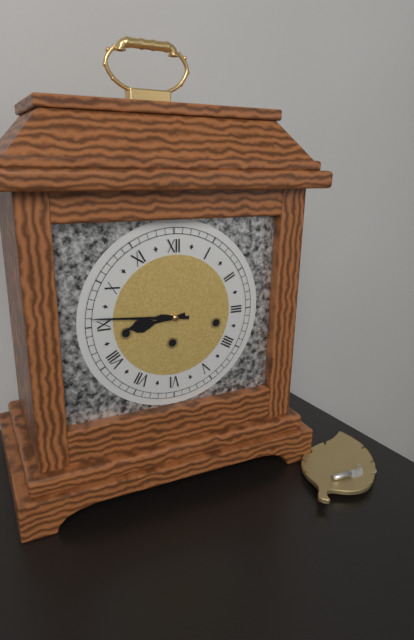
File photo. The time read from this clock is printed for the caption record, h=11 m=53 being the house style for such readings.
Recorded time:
h=8 m=46
